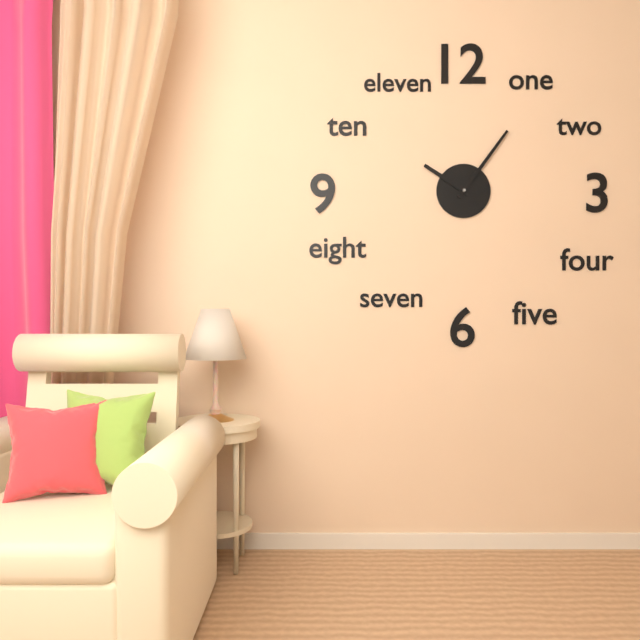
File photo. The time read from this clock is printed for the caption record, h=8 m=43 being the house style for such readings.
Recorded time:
h=10 m=6
